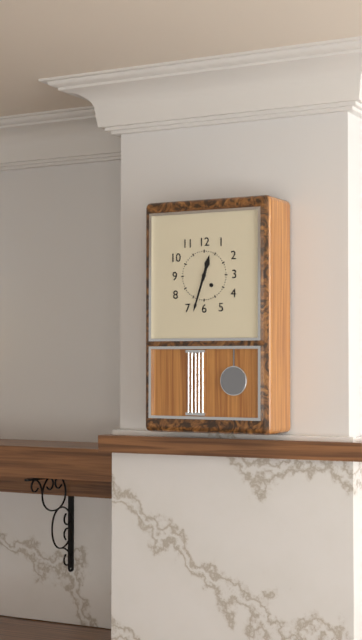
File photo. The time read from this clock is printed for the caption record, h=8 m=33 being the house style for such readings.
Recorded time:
h=12 m=33
